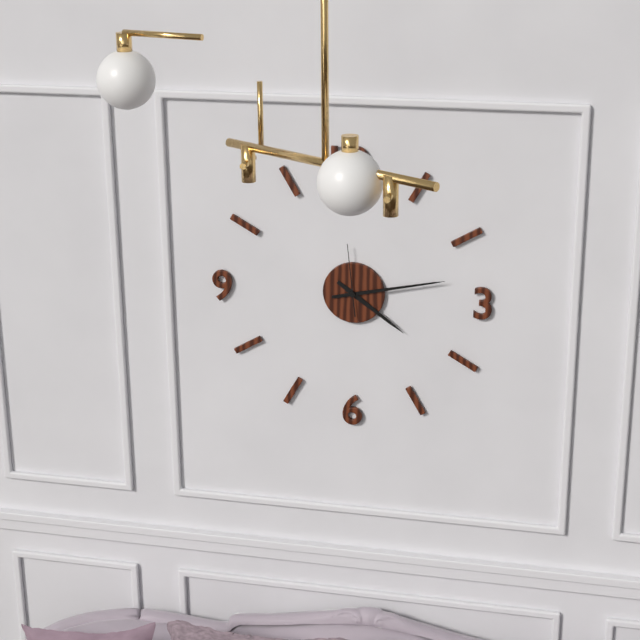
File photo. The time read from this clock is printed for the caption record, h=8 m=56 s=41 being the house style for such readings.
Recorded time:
h=4 m=13 s=59
